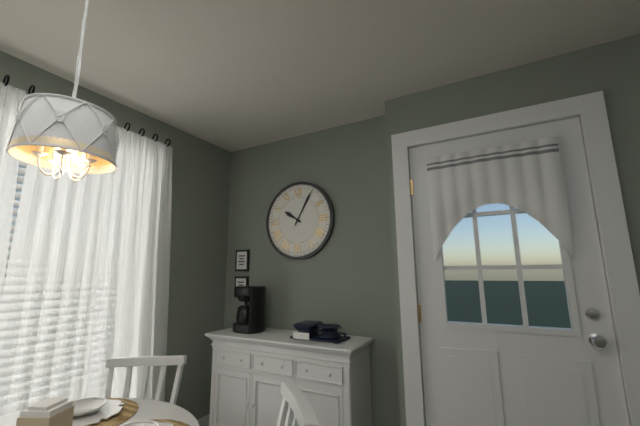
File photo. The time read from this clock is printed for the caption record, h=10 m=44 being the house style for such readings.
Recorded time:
h=10 m=5
